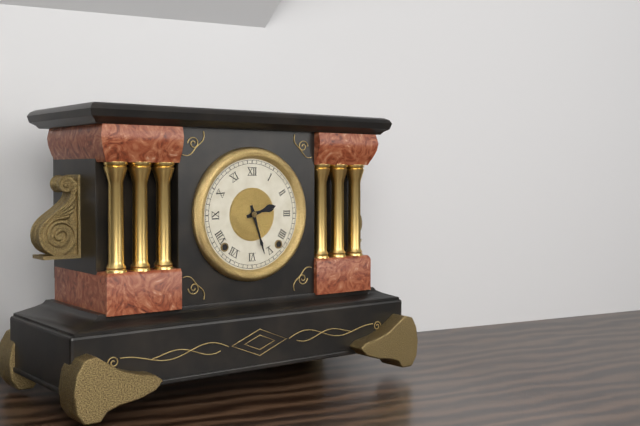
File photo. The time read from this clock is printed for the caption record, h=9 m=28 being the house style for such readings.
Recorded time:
h=2 m=27
